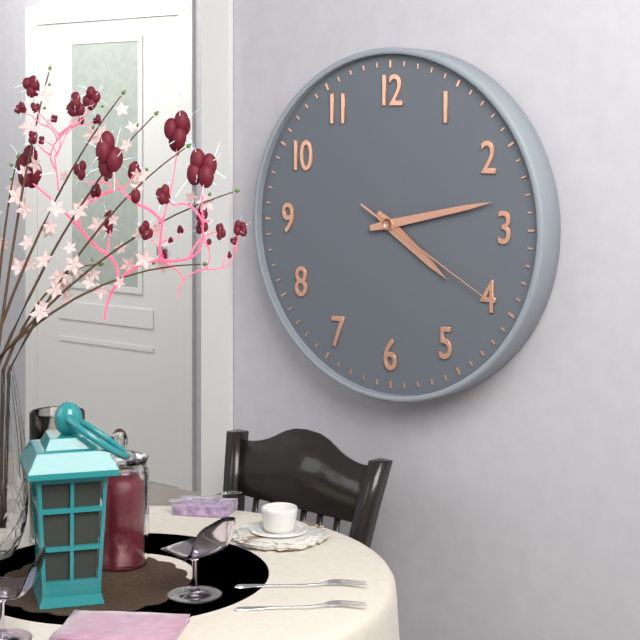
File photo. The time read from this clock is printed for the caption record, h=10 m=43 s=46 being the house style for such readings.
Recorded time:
h=4 m=13 s=20
